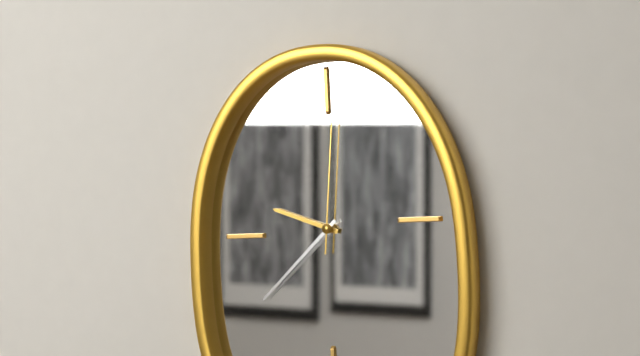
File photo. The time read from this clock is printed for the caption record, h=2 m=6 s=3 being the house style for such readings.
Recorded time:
h=9 m=38 s=1
